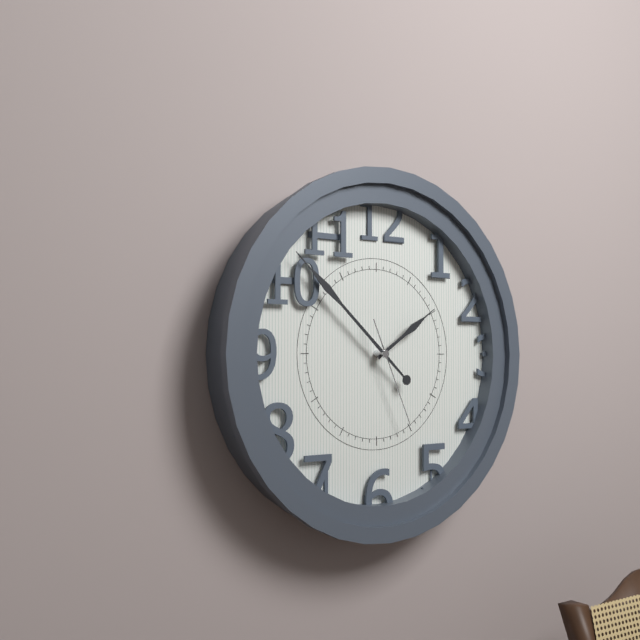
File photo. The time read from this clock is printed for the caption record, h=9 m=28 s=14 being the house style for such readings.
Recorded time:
h=1 m=52 s=26
